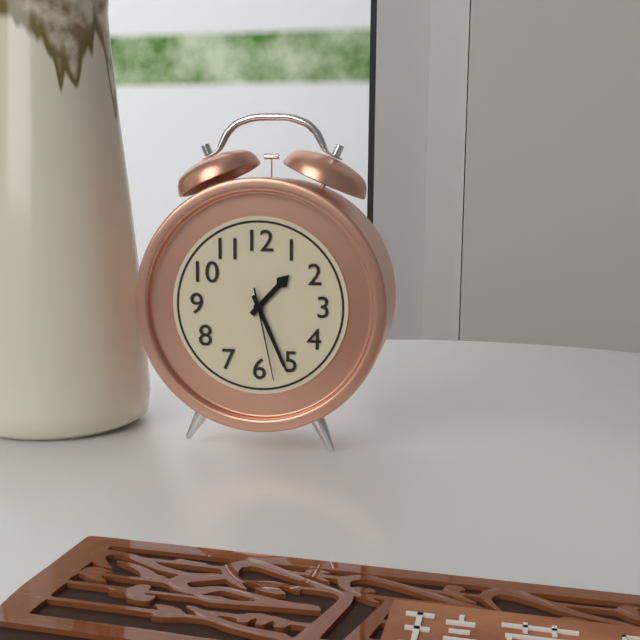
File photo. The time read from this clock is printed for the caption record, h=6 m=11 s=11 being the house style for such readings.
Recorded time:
h=1 m=26 s=28
